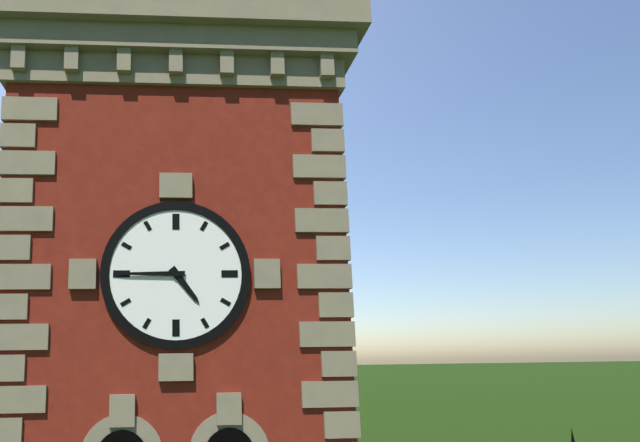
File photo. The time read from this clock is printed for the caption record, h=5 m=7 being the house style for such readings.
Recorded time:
h=4 m=45
